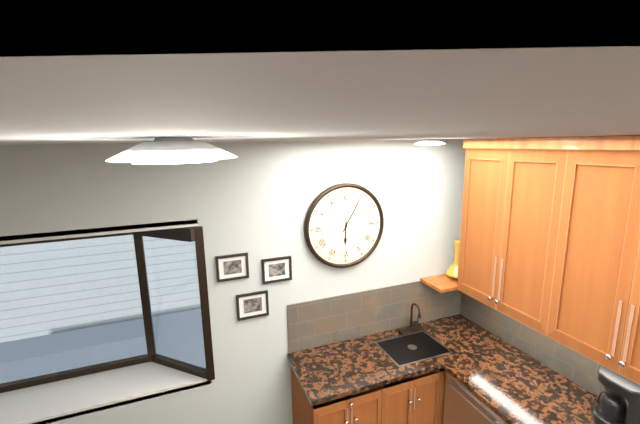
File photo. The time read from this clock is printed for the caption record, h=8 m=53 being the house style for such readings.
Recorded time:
h=6 m=5
